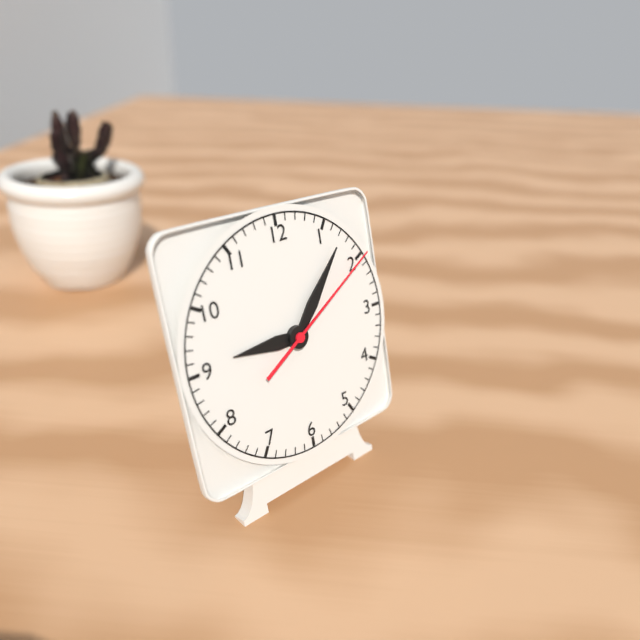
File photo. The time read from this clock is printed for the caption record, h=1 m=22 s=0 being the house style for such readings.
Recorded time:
h=9 m=7 s=10
